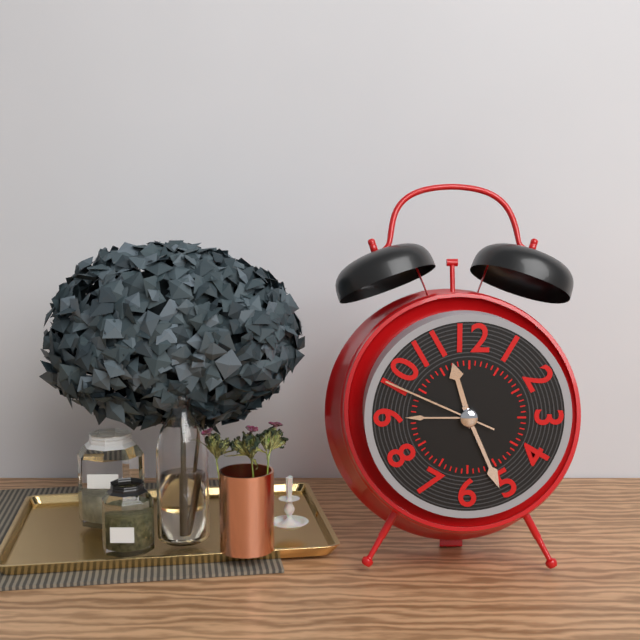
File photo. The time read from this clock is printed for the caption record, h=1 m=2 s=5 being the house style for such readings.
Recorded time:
h=11 m=26 s=49
